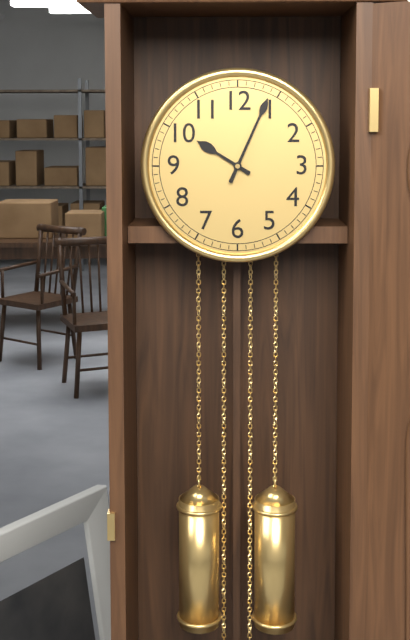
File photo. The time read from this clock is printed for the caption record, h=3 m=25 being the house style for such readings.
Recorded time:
h=10 m=4
